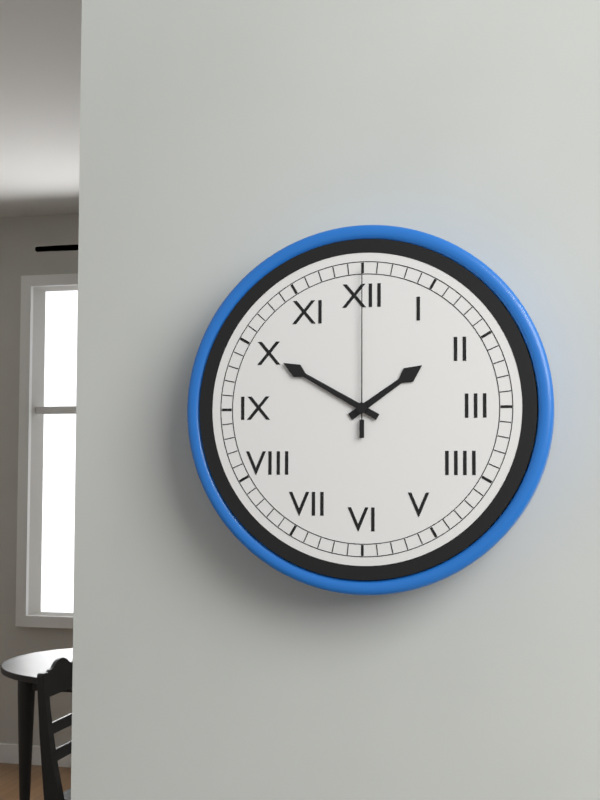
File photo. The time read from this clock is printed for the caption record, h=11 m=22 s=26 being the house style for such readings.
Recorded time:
h=1 m=50 s=0
